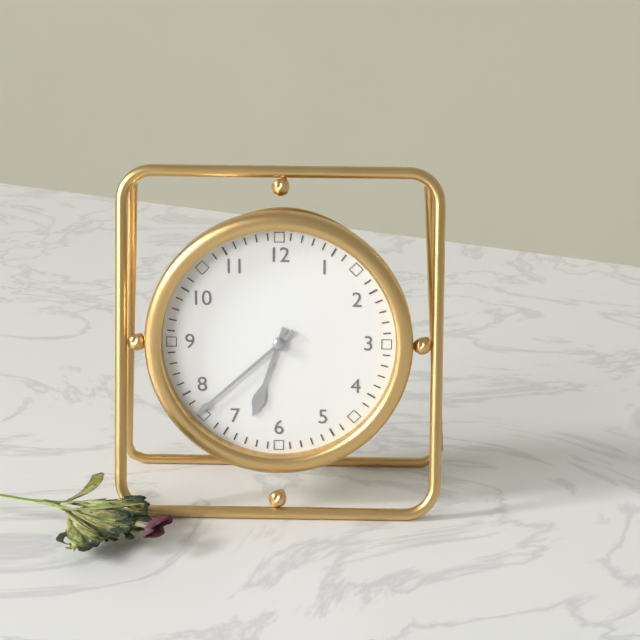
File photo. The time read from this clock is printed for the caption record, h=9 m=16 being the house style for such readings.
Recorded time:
h=6 m=38
